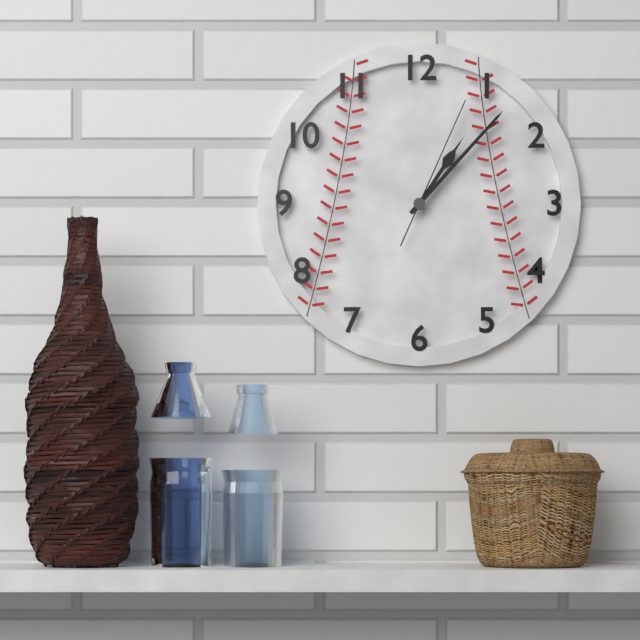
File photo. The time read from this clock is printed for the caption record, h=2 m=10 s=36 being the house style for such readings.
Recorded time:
h=1 m=7 s=4
